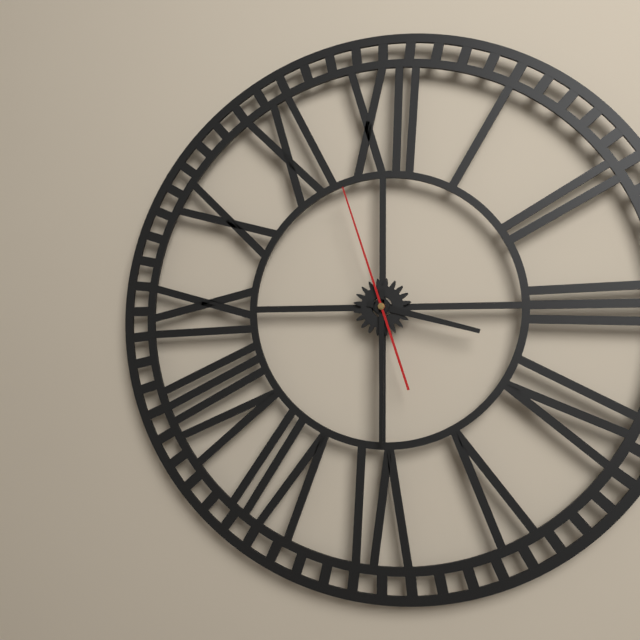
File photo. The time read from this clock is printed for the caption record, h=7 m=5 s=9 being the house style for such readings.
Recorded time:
h=3 m=30 s=57
